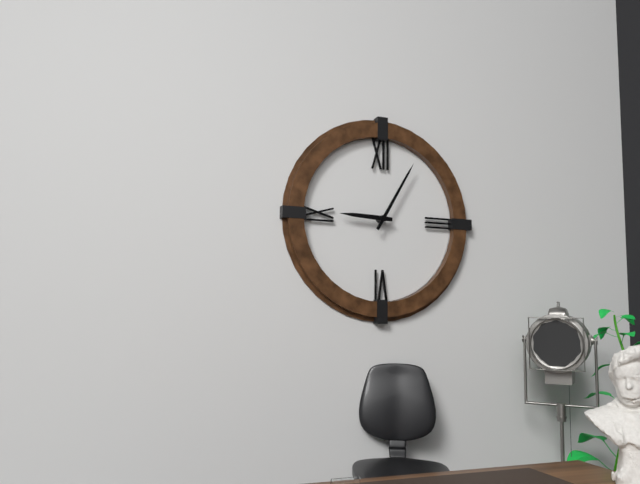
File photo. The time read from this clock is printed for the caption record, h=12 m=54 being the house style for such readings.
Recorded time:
h=9 m=5
